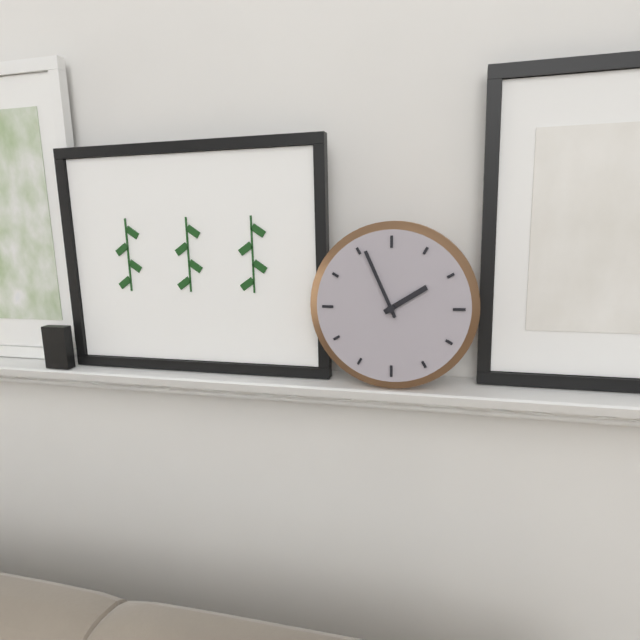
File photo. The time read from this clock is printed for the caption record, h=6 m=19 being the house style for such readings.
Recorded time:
h=1 m=56
